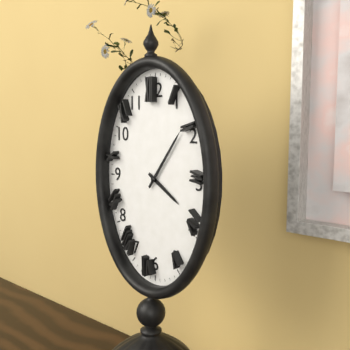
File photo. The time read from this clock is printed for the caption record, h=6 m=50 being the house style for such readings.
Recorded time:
h=4 m=6
